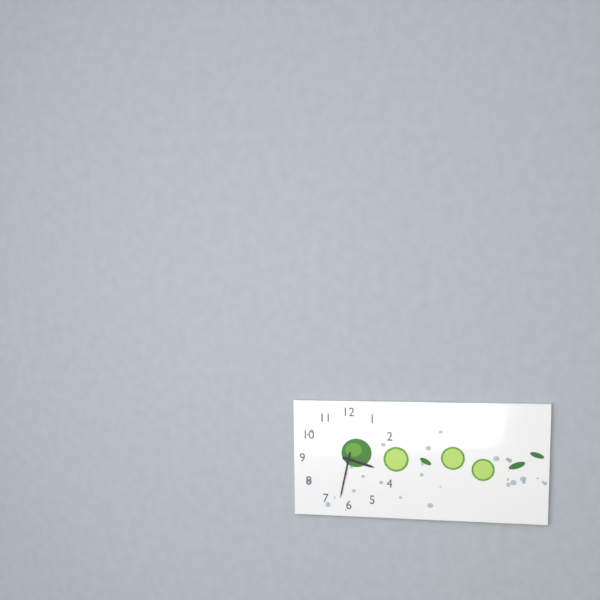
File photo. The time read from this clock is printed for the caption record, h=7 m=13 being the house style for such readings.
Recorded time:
h=3 m=32
